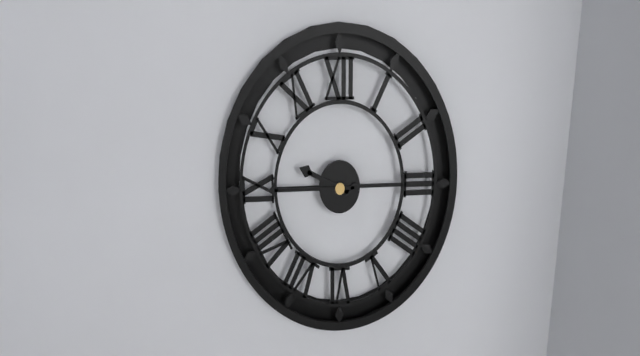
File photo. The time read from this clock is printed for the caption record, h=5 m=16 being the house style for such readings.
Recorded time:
h=9 m=45
